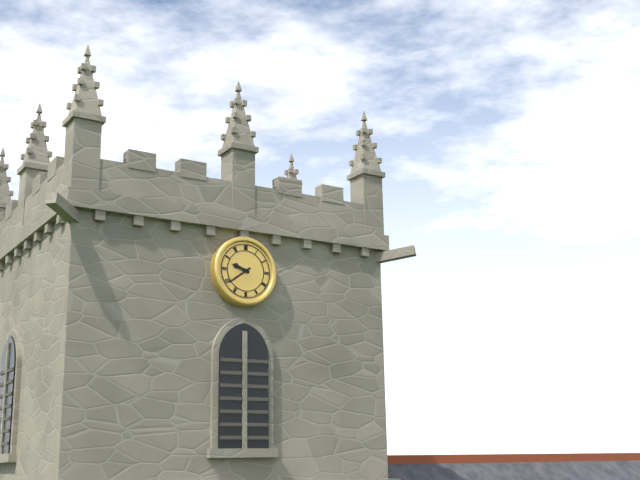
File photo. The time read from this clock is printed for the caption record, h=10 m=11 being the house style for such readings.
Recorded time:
h=9 m=39
